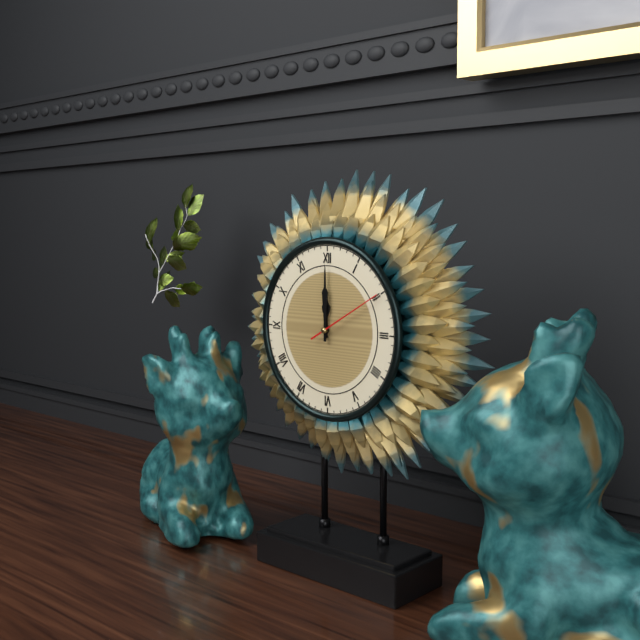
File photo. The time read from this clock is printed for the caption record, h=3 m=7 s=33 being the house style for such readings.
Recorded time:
h=12 m=0 s=10
